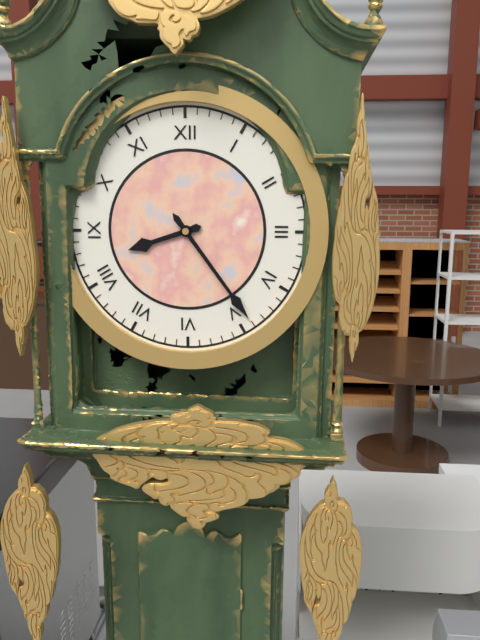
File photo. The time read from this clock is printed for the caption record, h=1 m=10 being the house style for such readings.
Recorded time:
h=8 m=24
